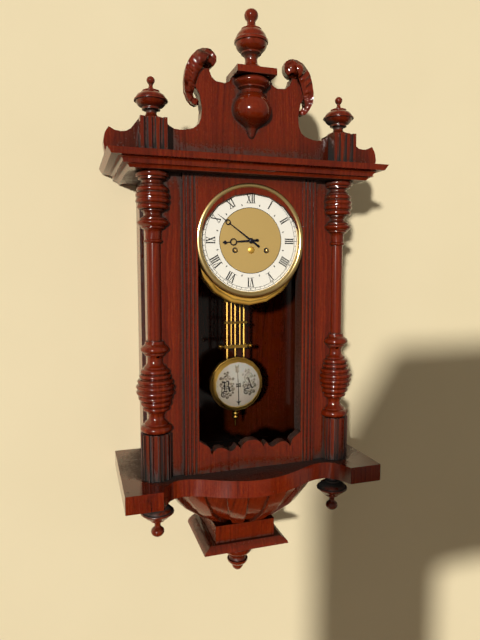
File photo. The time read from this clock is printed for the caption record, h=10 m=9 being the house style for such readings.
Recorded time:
h=8 m=51
